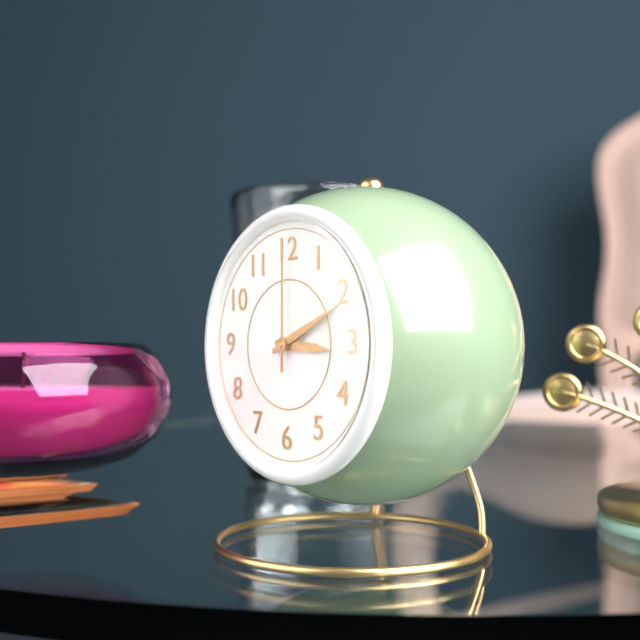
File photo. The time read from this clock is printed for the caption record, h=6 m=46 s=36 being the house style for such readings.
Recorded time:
h=3 m=11 s=0
